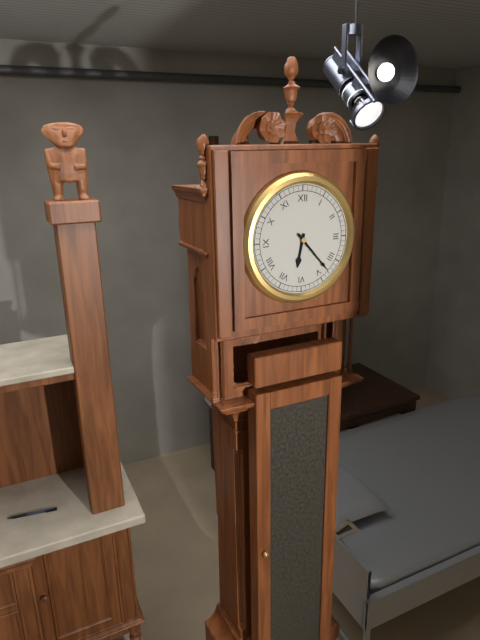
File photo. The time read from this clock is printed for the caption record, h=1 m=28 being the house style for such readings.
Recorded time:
h=6 m=23
